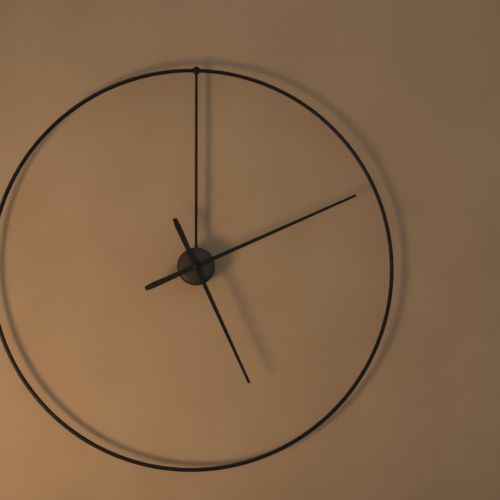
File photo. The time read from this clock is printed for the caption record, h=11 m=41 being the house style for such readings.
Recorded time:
h=5 m=11
